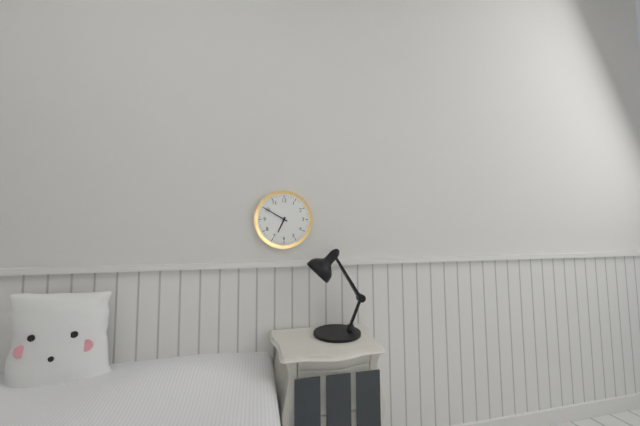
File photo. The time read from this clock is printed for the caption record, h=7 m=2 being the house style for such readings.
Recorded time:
h=6 m=50
